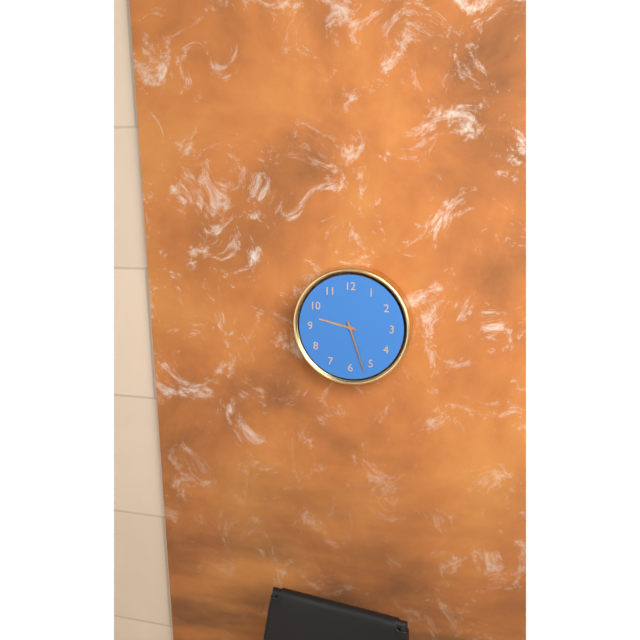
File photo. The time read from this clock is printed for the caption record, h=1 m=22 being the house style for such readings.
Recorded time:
h=9 m=27
